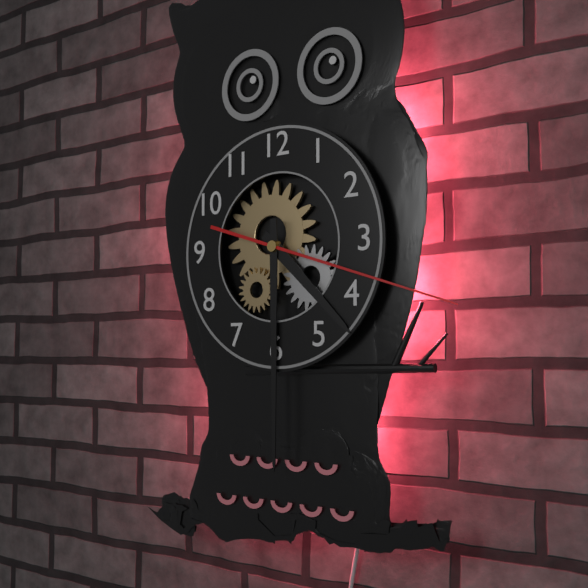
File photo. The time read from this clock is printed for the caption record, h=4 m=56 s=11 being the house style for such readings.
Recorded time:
h=4 m=30 s=18
